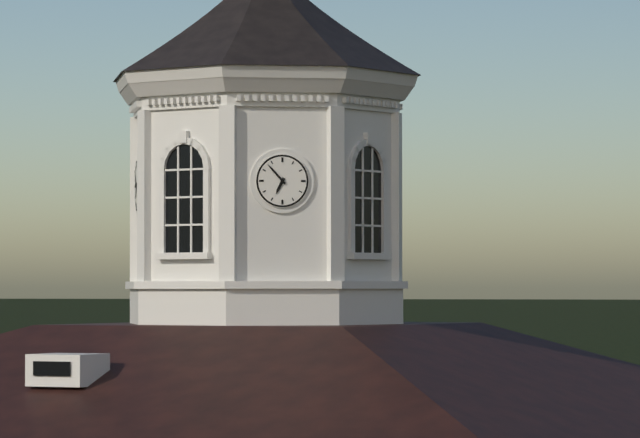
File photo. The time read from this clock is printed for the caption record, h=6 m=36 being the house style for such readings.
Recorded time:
h=6 m=53
